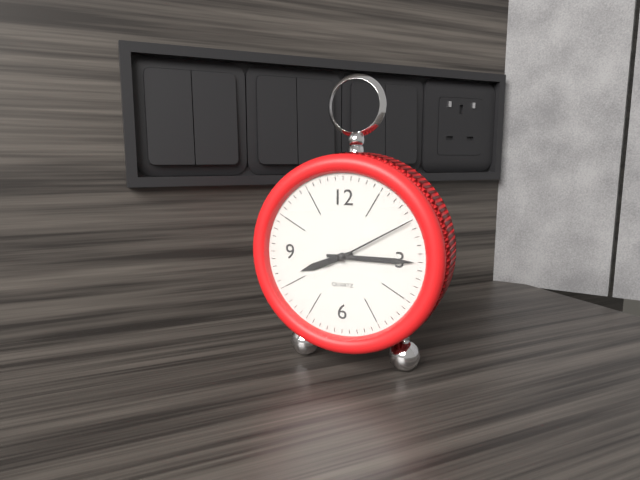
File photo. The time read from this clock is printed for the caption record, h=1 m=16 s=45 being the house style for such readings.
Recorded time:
h=8 m=15 s=10
